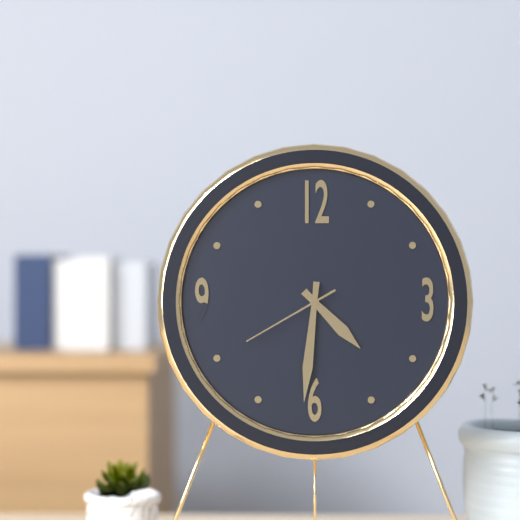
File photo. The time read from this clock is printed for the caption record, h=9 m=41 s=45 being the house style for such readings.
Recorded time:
h=4 m=31 s=40
